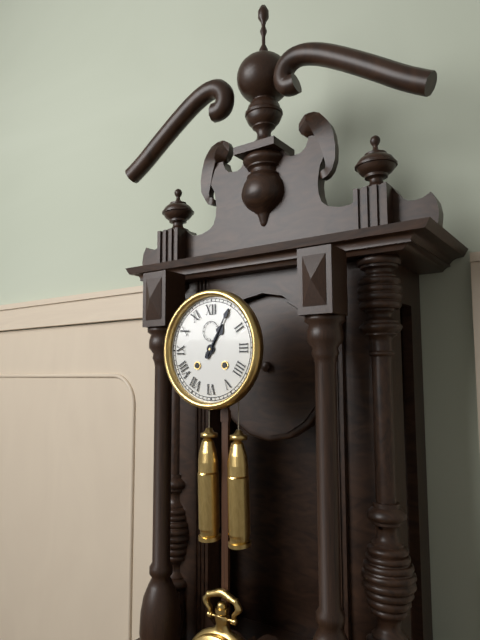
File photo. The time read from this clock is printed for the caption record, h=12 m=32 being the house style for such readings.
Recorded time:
h=1 m=5
